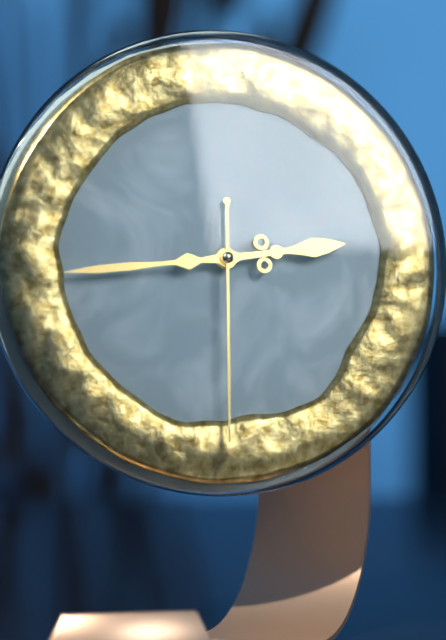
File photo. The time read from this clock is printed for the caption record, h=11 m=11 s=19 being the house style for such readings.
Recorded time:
h=2 m=44 s=30
